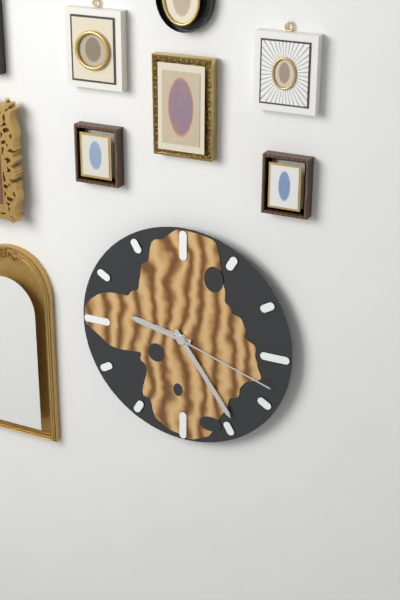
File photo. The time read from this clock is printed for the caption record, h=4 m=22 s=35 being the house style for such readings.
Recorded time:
h=9 m=24 s=18
